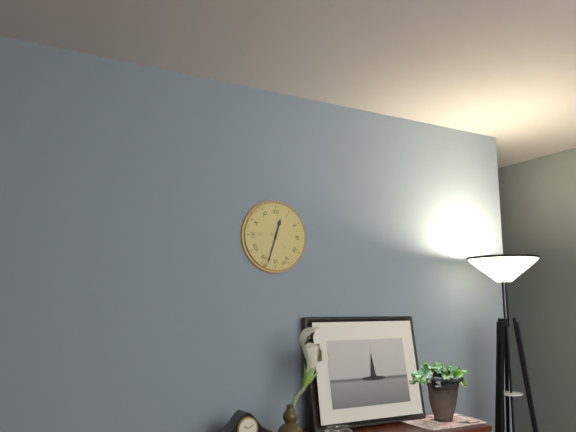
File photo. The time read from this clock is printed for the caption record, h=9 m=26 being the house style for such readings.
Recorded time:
h=12 m=33
